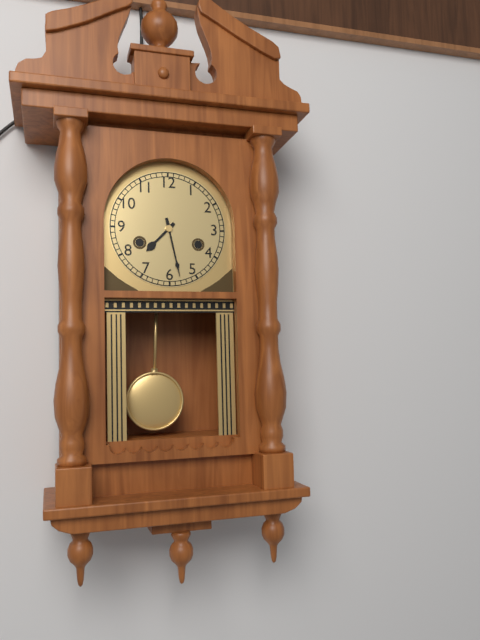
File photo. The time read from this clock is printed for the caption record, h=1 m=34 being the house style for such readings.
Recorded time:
h=7 m=28
